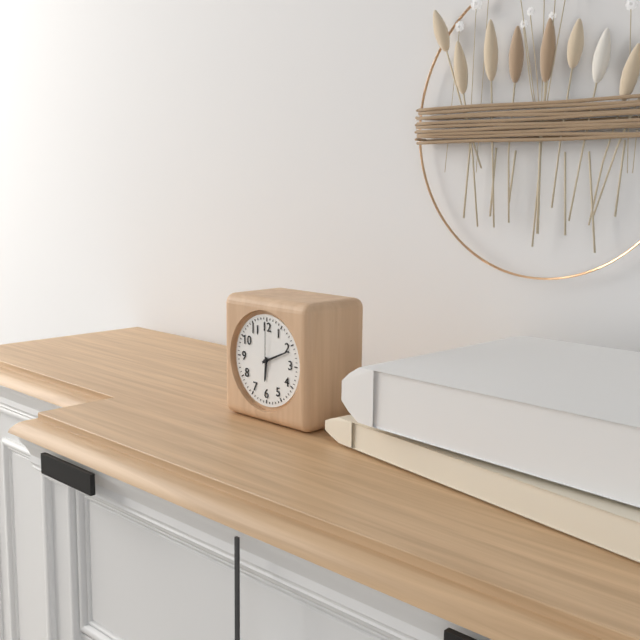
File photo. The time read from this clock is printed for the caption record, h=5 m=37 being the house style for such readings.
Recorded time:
h=6 m=11
